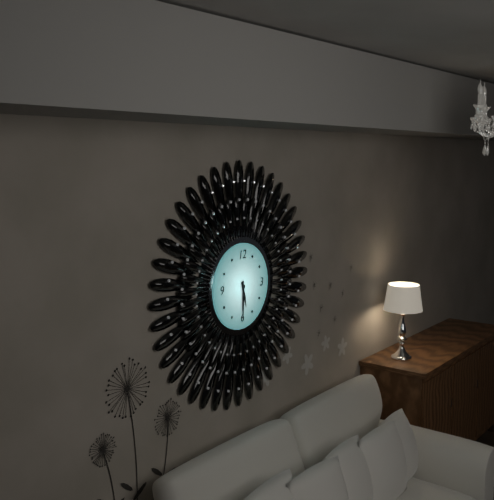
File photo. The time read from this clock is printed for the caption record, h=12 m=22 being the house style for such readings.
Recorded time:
h=5 m=30
